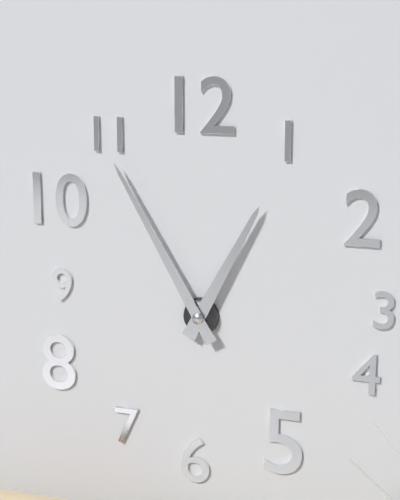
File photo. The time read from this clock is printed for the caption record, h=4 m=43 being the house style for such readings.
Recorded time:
h=12 m=55
